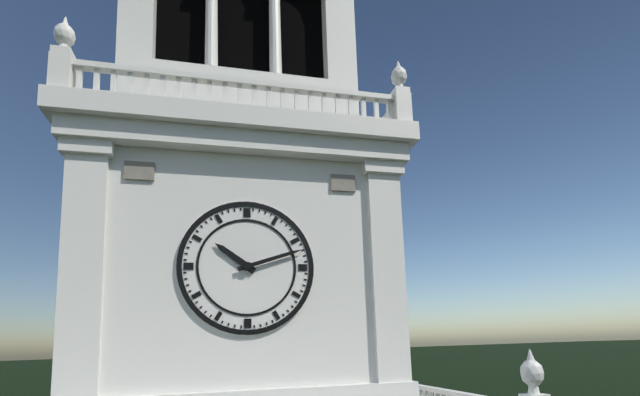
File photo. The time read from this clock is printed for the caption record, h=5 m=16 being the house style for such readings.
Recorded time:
h=10 m=12
